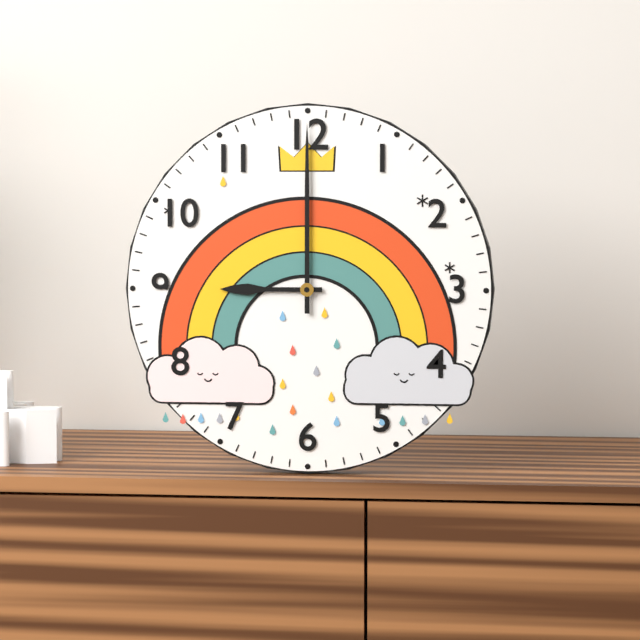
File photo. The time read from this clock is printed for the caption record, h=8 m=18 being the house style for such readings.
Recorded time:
h=9 m=0
